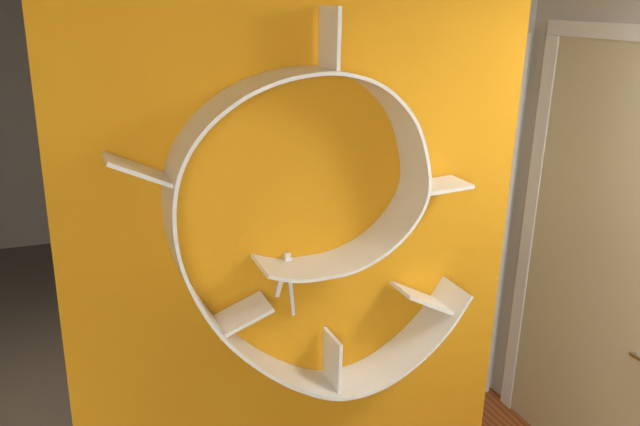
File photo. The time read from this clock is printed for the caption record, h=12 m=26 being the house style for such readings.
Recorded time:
h=6 m=29
